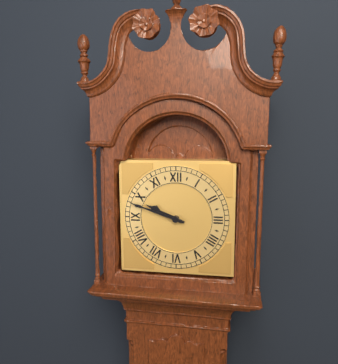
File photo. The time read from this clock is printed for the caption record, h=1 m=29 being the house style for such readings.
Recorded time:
h=9 m=48
